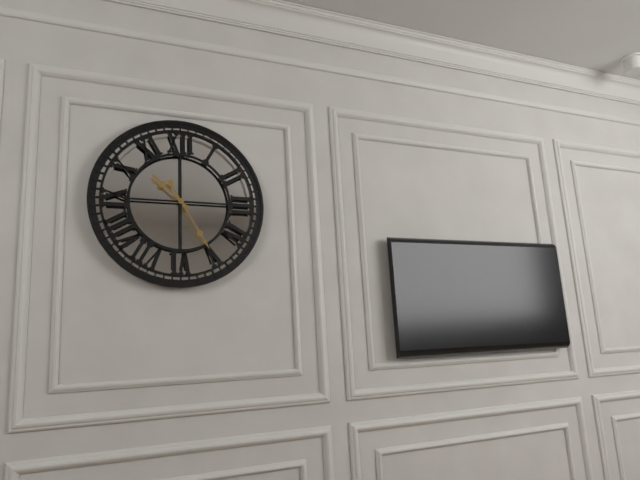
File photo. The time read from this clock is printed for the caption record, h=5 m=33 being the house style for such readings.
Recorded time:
h=10 m=25
